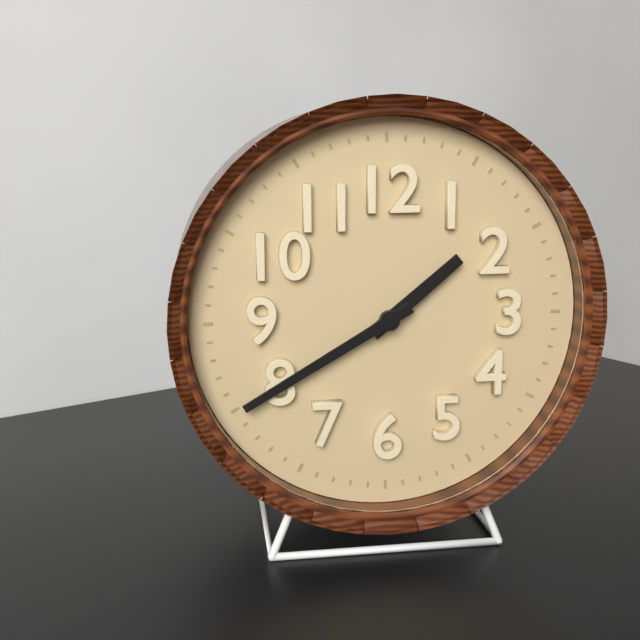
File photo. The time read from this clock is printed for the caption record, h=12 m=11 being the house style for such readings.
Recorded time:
h=1 m=40
